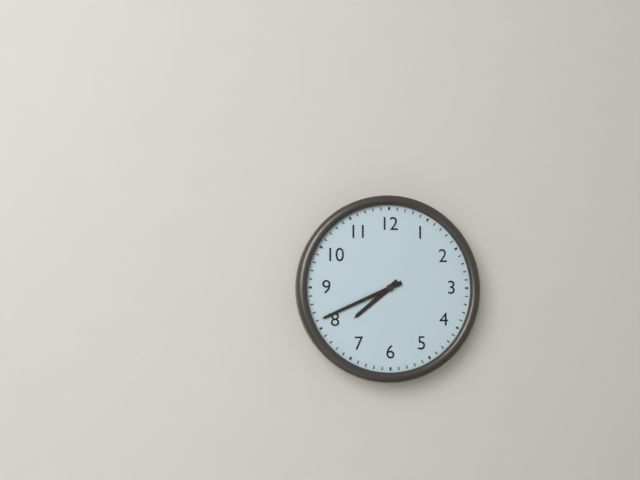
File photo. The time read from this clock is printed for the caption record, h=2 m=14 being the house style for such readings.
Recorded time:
h=7 m=41
